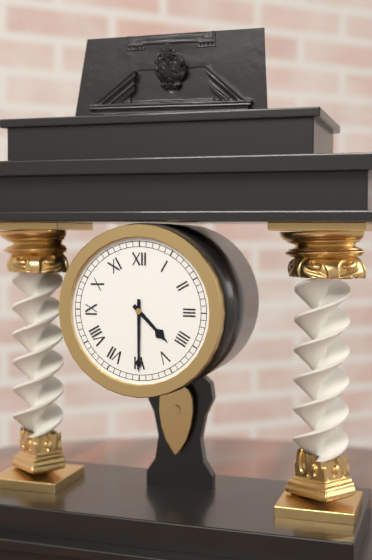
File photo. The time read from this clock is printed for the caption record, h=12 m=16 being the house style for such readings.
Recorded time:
h=4 m=30
